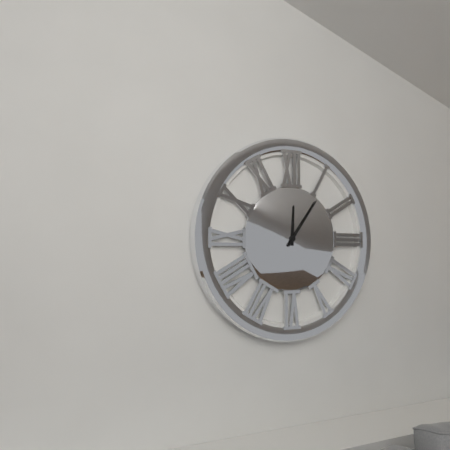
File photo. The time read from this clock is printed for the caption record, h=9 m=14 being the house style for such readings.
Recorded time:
h=12 m=6
